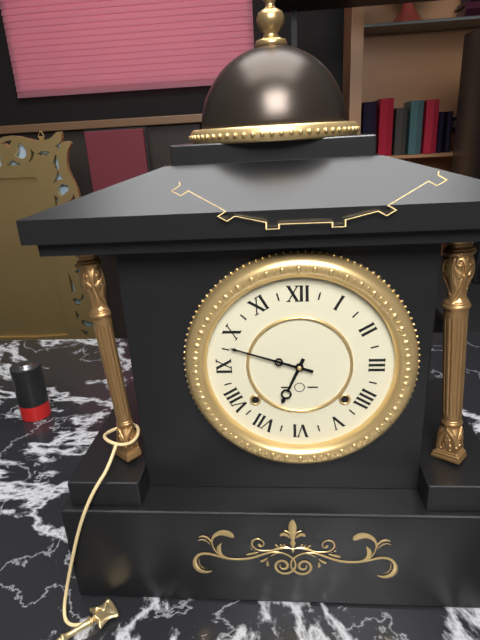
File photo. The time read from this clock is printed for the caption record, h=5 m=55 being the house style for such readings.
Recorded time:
h=6 m=48
